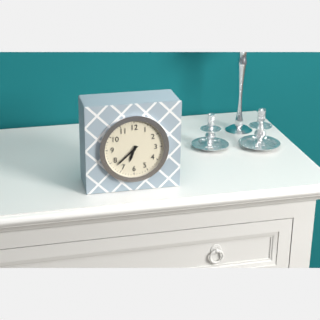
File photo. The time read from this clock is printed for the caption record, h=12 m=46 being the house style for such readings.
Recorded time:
h=6 m=38
